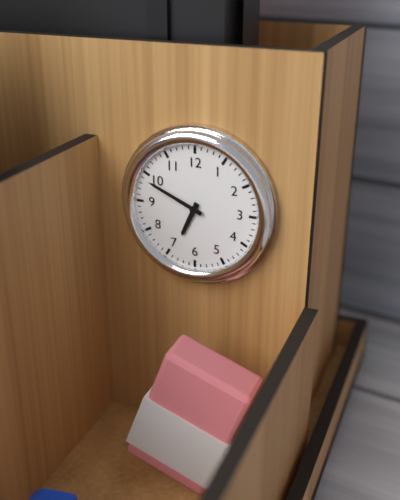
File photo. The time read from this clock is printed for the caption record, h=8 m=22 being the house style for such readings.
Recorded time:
h=6 m=49
